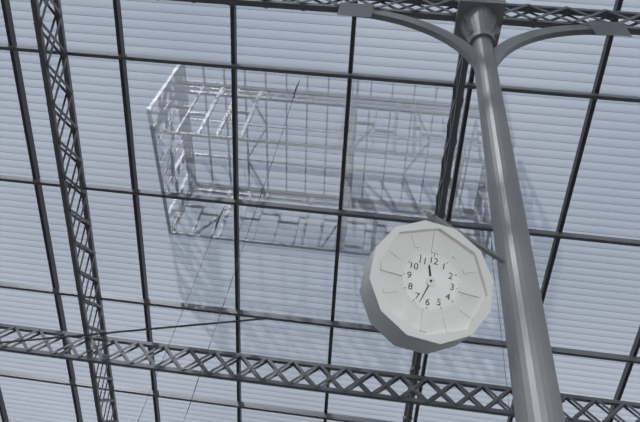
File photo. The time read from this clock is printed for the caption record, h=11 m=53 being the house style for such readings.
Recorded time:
h=11 m=33
